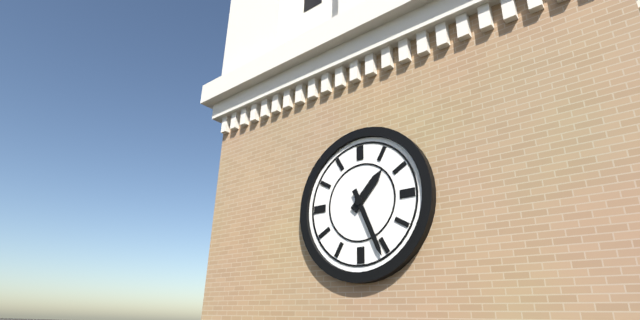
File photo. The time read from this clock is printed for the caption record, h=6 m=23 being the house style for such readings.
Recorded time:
h=1 m=26
